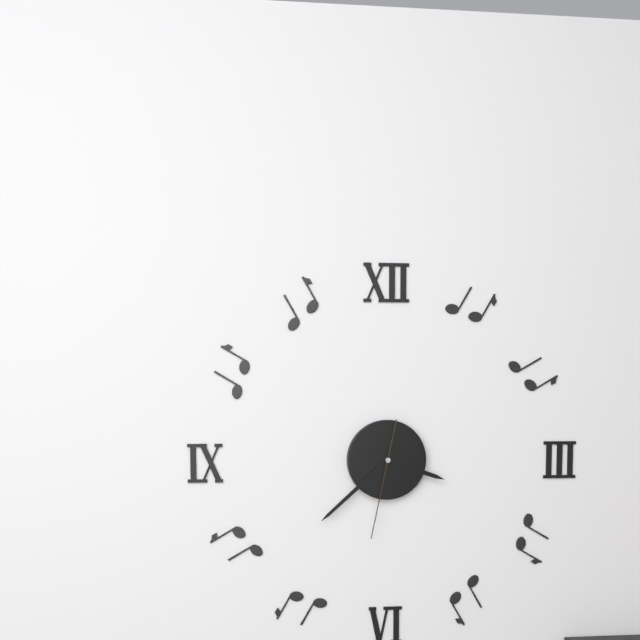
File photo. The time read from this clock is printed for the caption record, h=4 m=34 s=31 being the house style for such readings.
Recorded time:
h=3 m=38 s=32
